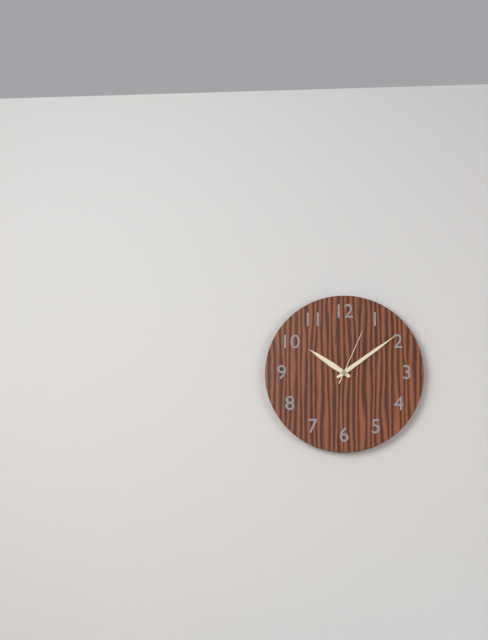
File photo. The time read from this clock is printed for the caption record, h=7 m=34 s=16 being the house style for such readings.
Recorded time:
h=10 m=9 s=4
